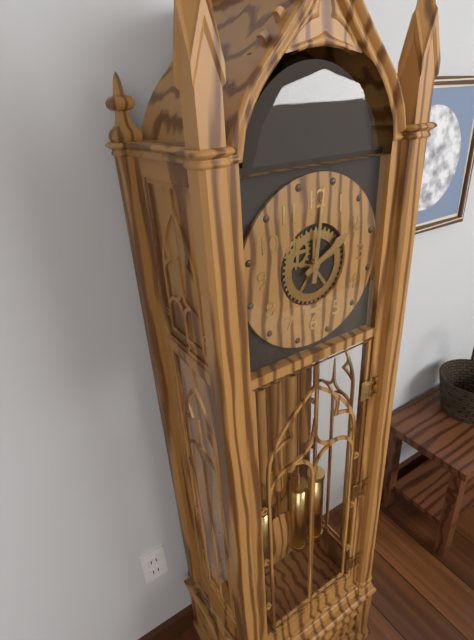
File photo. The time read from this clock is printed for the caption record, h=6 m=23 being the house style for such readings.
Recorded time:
h=2 m=1
